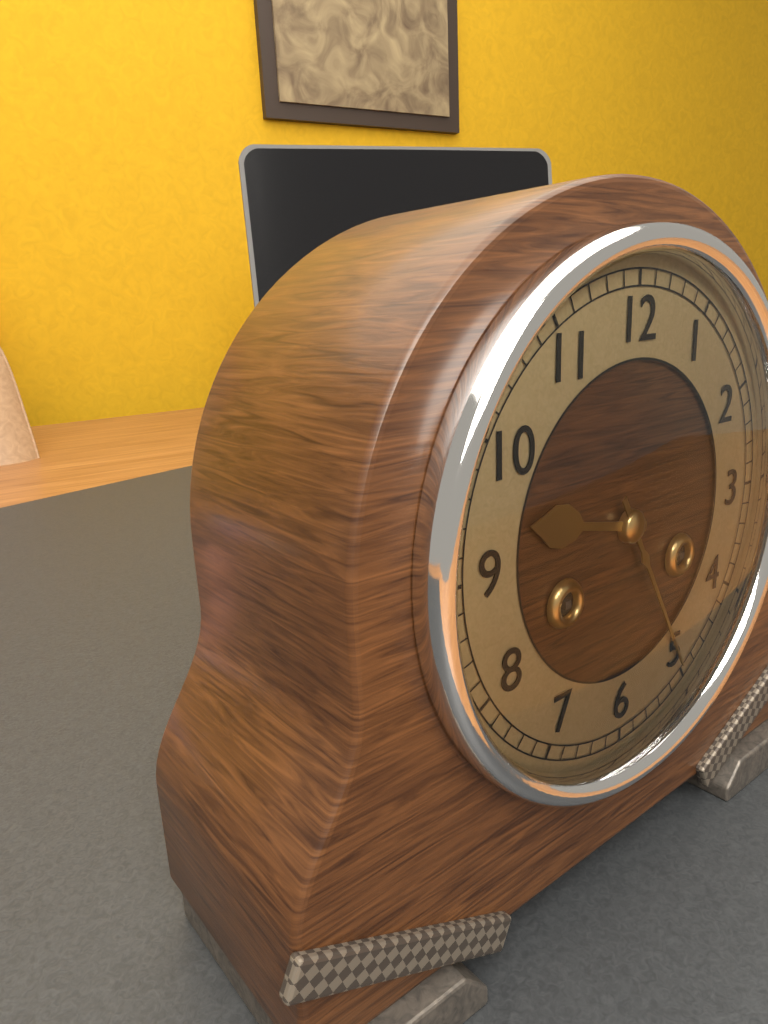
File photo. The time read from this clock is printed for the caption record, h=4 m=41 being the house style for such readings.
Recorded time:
h=9 m=25
